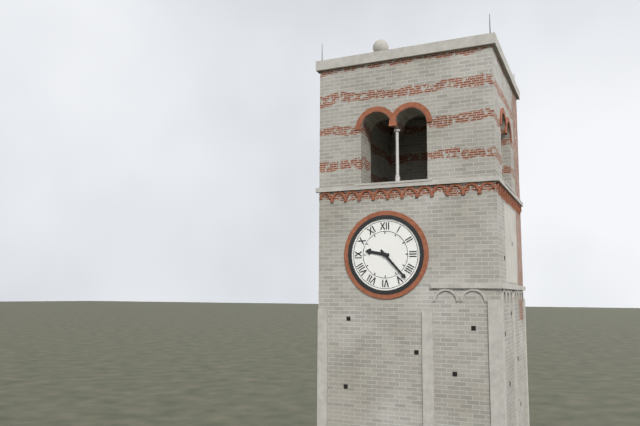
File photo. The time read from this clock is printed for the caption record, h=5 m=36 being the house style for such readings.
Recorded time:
h=9 m=23
